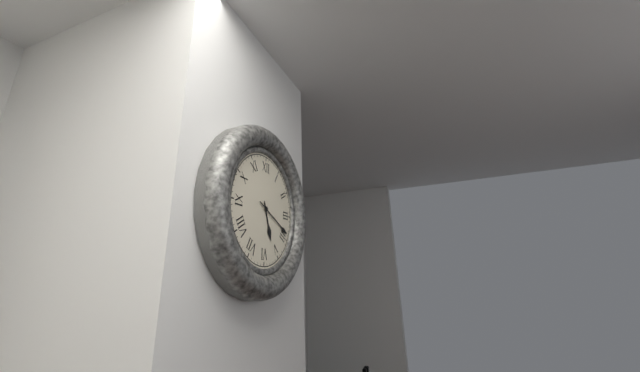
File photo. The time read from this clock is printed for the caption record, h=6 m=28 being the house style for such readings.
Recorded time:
h=5 m=19
